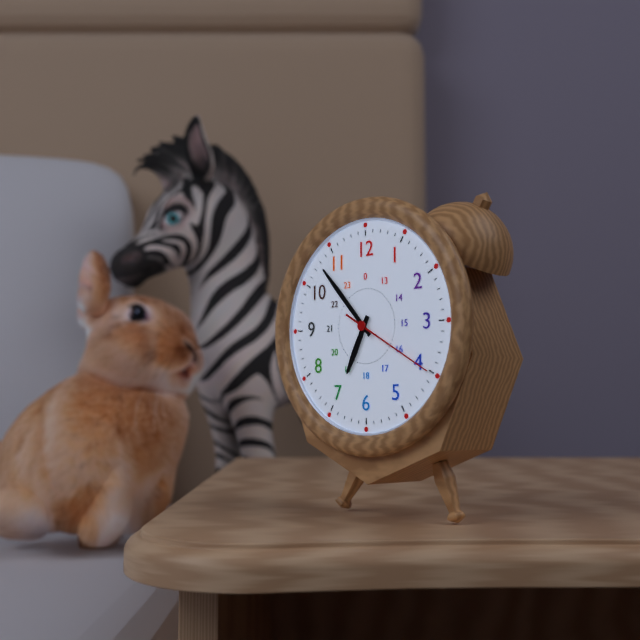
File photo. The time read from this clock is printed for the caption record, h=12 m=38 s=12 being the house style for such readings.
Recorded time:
h=6 m=53 s=20
